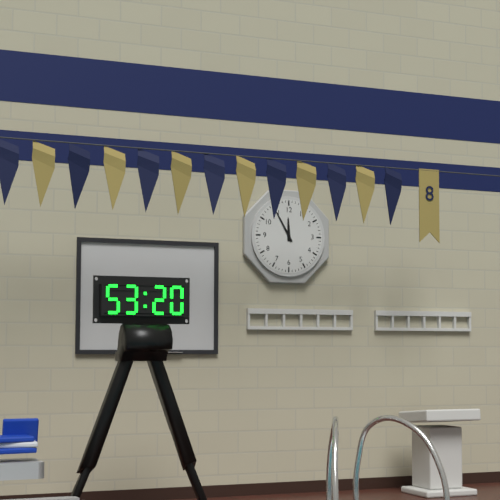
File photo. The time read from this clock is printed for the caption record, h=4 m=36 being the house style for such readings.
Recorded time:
h=11 m=55
